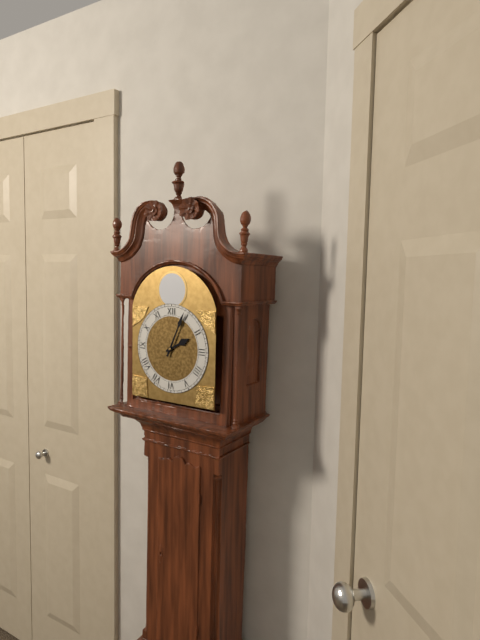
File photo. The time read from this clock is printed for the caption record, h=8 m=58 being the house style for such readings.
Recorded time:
h=2 m=4
